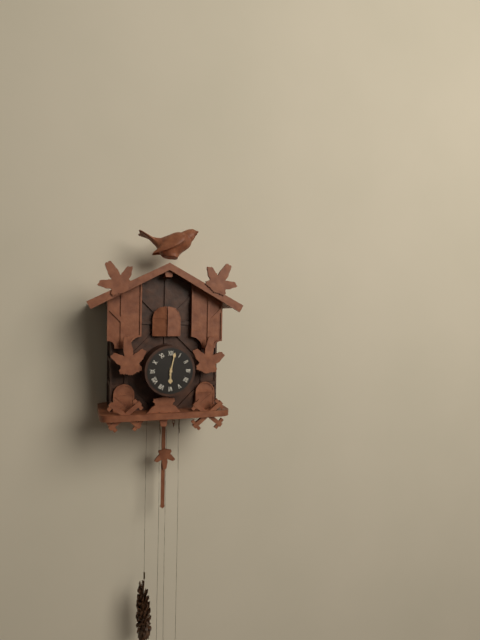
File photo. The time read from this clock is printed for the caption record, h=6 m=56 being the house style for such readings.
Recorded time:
h=6 m=2
